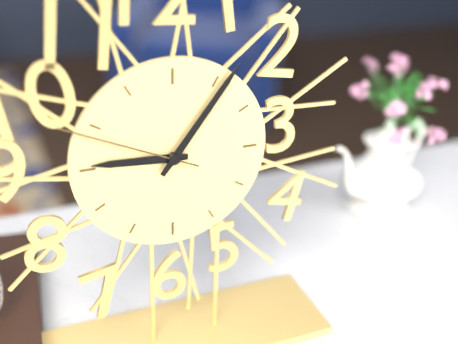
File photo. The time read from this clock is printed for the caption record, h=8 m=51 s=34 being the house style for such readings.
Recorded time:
h=9 m=6 s=49
